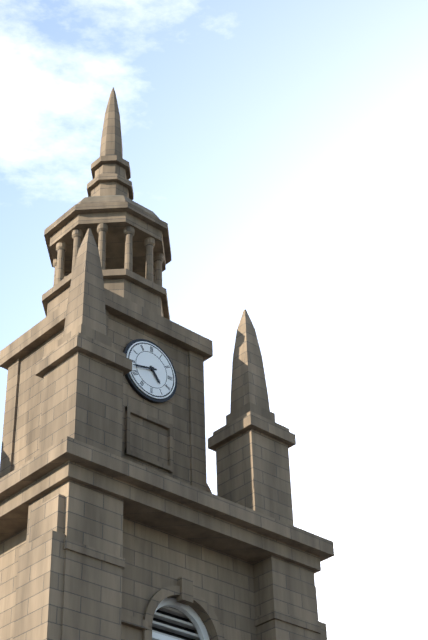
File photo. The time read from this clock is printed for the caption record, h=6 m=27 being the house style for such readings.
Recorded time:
h=4 m=43
